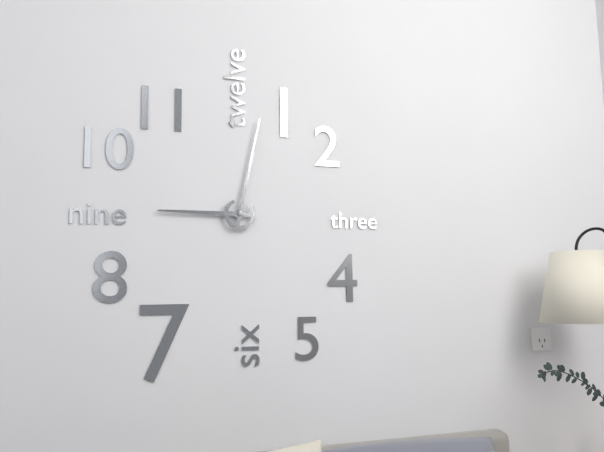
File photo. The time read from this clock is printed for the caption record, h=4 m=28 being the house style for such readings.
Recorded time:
h=9 m=2
